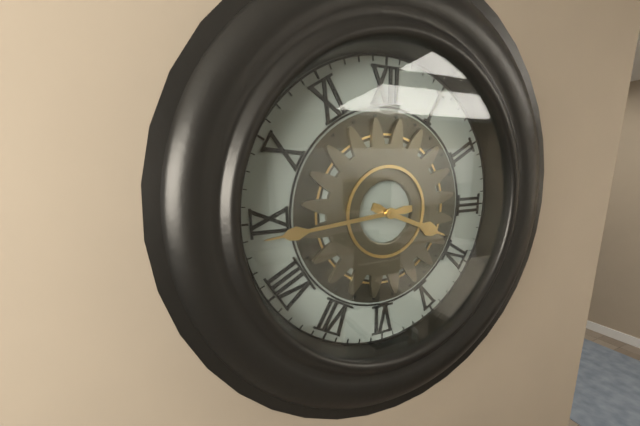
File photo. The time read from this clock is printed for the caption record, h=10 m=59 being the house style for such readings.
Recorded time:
h=3 m=44
